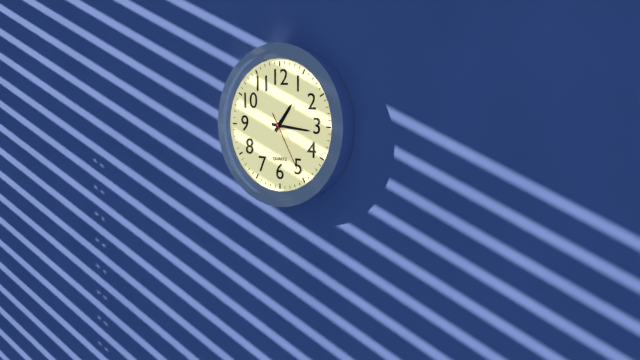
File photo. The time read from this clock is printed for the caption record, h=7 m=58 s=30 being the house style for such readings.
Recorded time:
h=1 m=16 s=25
